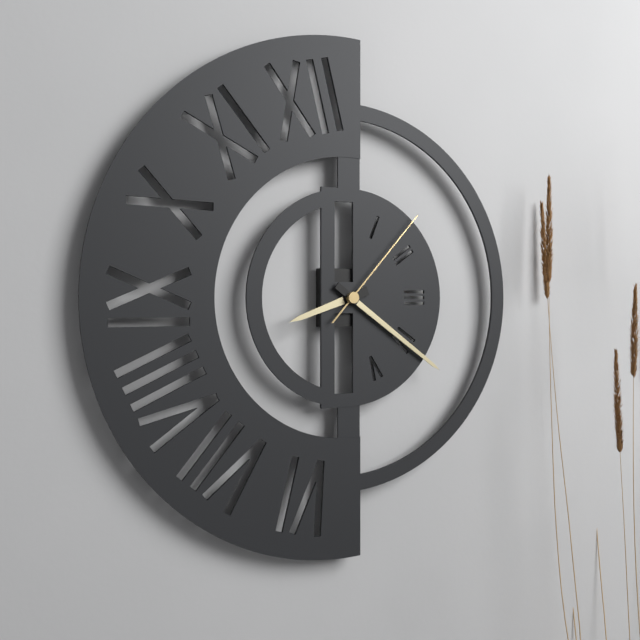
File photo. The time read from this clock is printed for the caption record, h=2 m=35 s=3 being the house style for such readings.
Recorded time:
h=8 m=21 s=7
